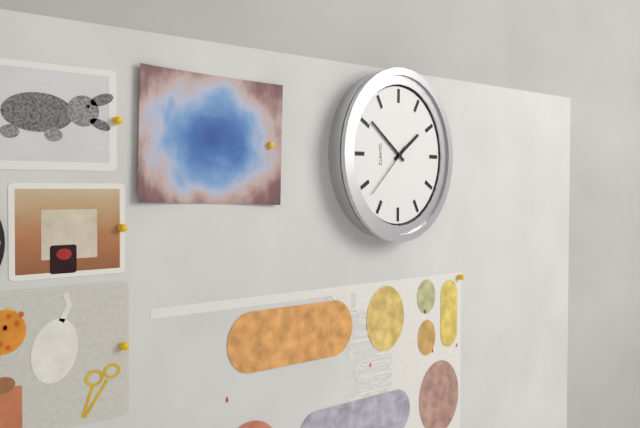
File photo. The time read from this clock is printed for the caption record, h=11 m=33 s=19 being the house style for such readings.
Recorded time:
h=1 m=51 s=38
